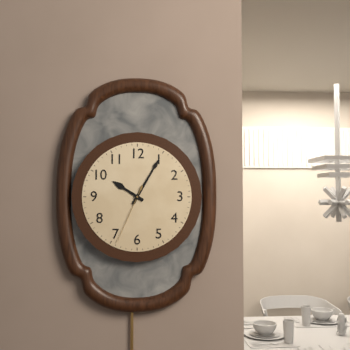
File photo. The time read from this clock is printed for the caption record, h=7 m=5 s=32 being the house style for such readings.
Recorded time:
h=10 m=5 s=34
